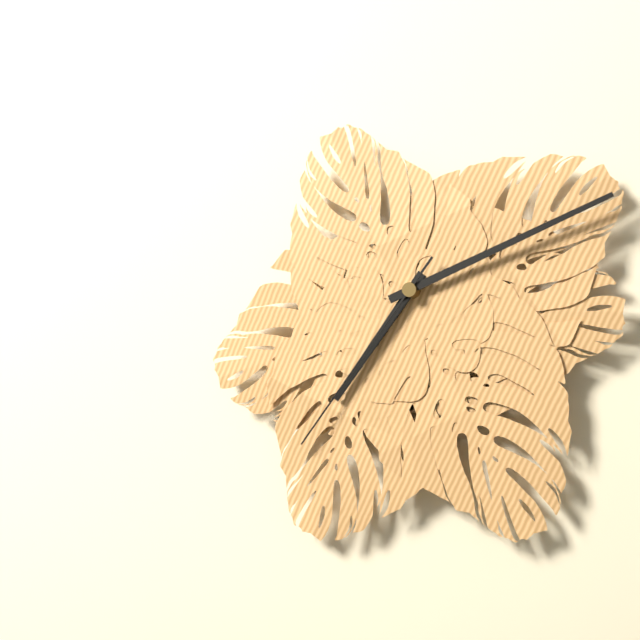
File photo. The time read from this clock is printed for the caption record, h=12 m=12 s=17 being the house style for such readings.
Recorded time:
h=7 m=11 s=36
